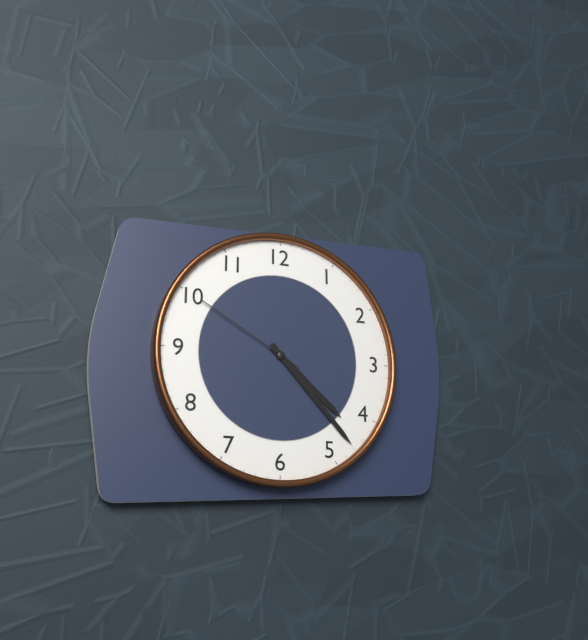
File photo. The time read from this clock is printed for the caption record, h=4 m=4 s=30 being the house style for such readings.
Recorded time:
h=4 m=23 s=50
